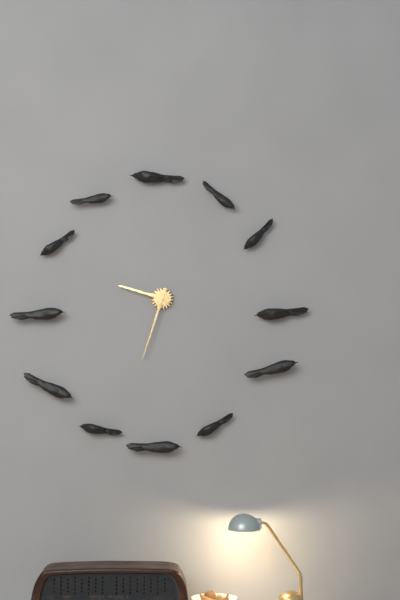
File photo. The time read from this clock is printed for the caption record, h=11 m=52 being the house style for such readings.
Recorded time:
h=9 m=33
